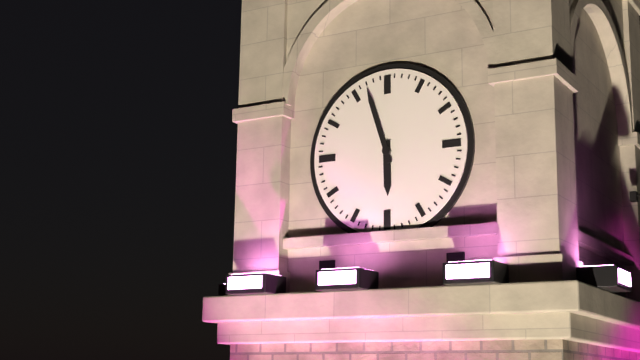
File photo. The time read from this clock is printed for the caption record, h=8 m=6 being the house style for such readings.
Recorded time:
h=5 m=57
